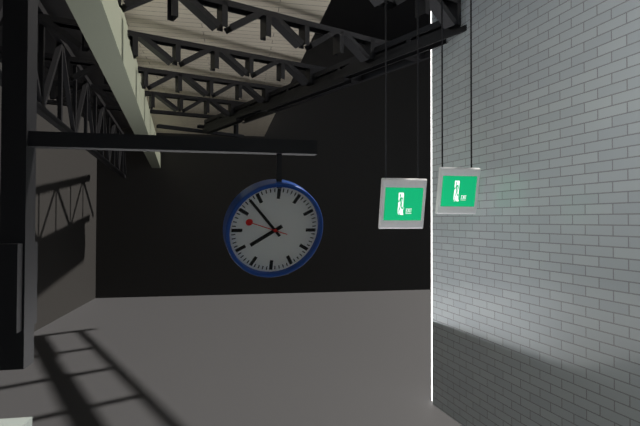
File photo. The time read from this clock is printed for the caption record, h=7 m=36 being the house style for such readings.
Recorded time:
h=7 m=53
